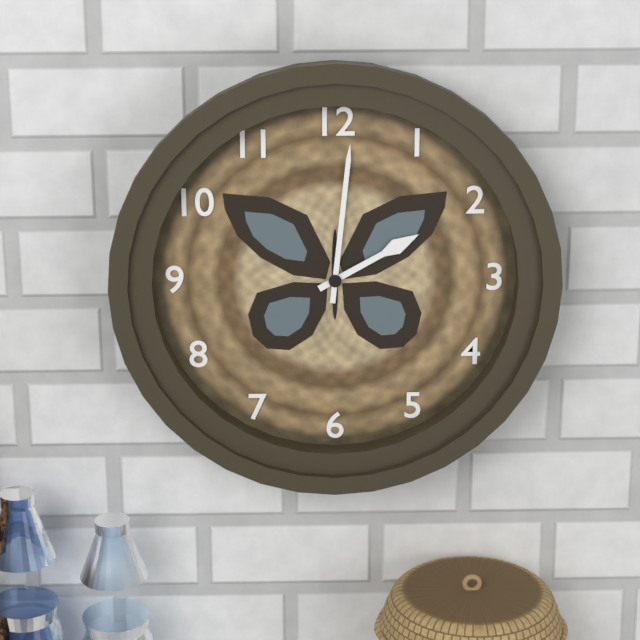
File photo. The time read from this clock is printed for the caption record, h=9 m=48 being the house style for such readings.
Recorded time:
h=2 m=1
